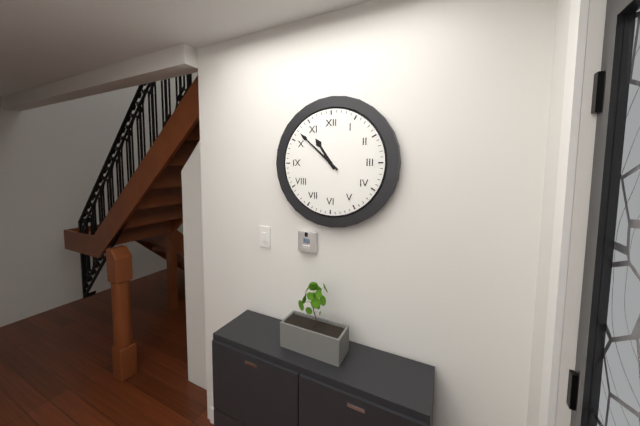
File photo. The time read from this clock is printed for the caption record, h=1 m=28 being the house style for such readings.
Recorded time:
h=10 m=52
